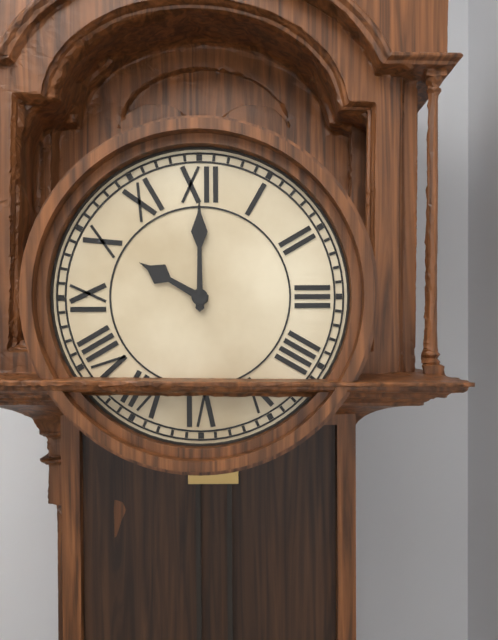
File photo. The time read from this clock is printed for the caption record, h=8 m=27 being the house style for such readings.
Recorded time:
h=10 m=0
